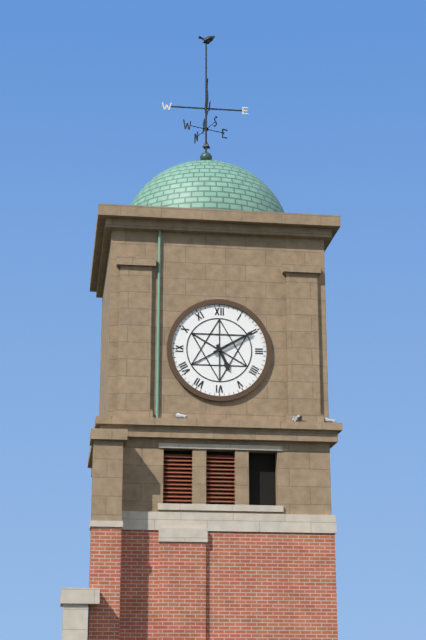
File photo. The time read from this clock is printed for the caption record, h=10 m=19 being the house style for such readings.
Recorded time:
h=5 m=10
